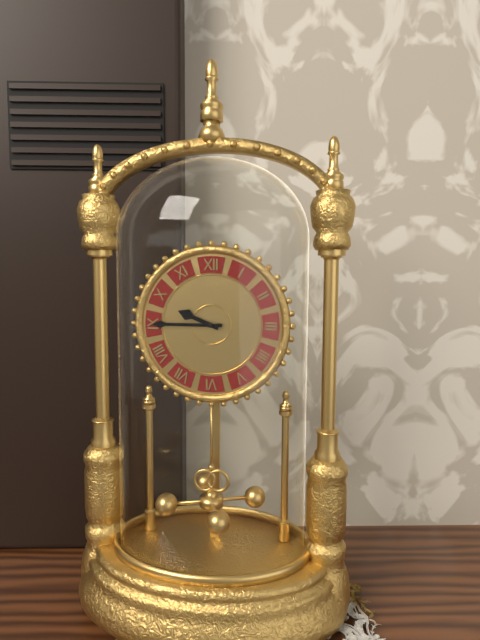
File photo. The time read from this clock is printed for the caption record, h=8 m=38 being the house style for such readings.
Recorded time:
h=9 m=45
